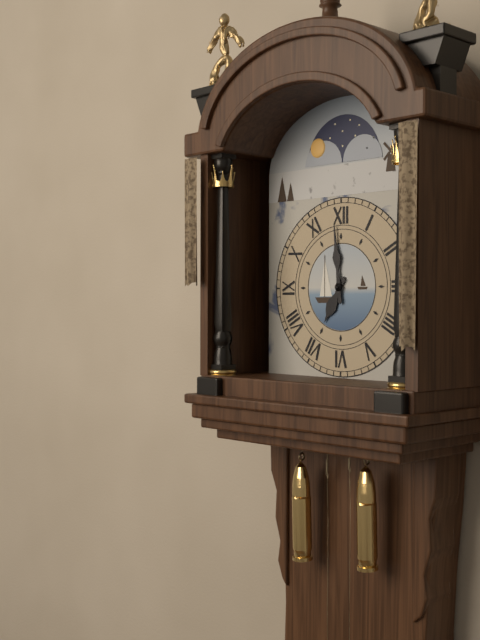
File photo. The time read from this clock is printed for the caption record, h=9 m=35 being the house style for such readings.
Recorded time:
h=6 m=59
